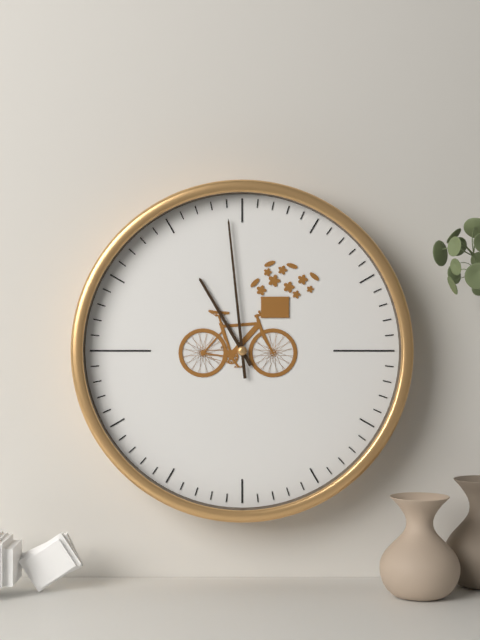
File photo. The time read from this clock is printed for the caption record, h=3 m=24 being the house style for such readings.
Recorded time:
h=10 m=59
